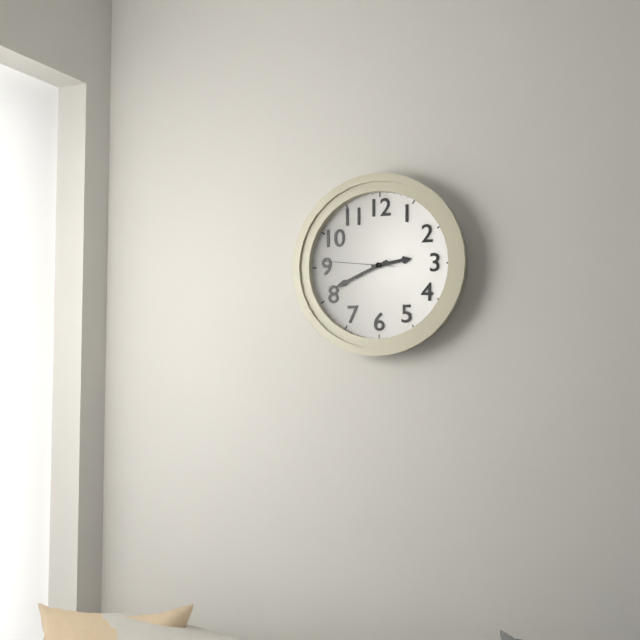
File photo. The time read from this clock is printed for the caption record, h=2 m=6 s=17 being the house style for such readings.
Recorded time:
h=2 m=41 s=46
